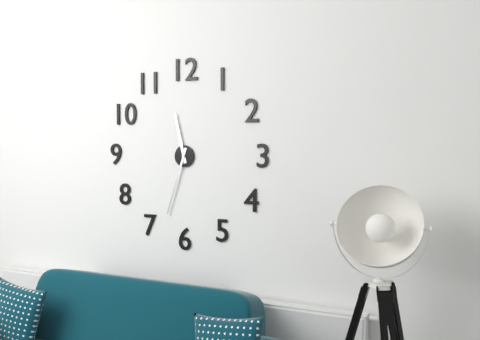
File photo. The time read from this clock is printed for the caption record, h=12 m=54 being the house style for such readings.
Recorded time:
h=11 m=33
